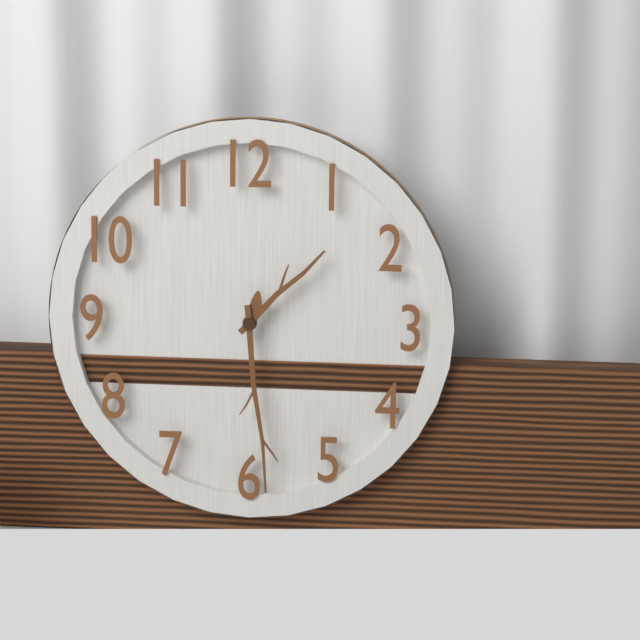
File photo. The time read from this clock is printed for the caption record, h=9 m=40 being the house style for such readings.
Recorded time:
h=1 m=29
